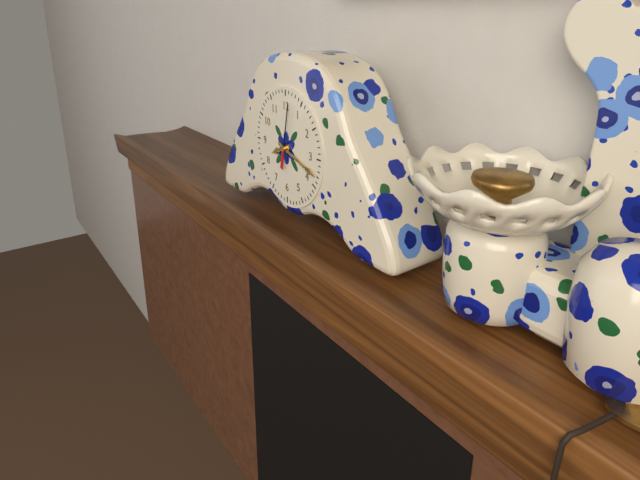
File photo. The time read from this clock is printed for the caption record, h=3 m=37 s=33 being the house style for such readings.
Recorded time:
h=8 m=18 s=2
